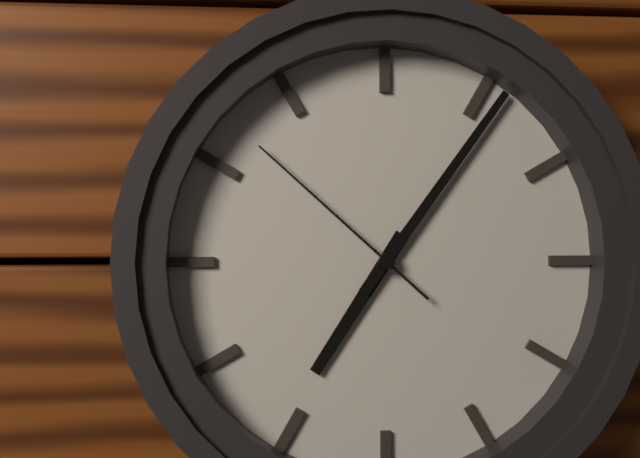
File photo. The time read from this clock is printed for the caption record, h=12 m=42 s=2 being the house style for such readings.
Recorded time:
h=7 m=6 s=52
